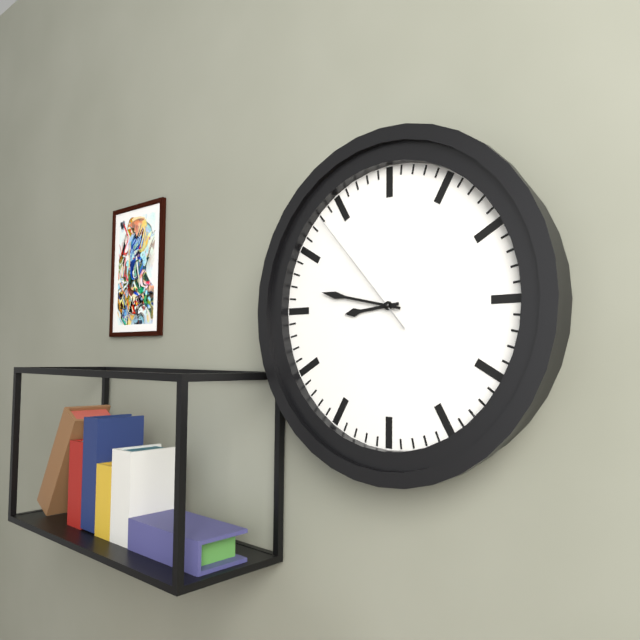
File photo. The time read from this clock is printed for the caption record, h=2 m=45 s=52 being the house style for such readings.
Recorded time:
h=8 m=47 s=53
